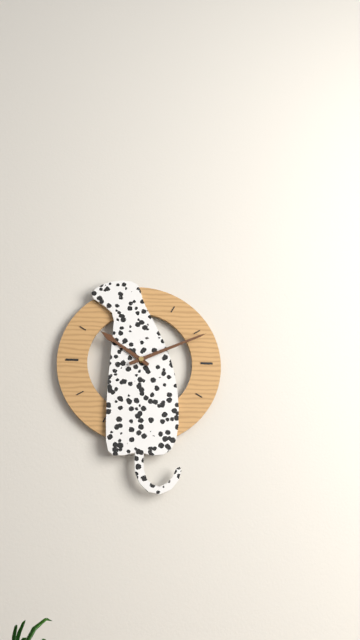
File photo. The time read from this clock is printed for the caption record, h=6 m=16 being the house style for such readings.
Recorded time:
h=10 m=11
